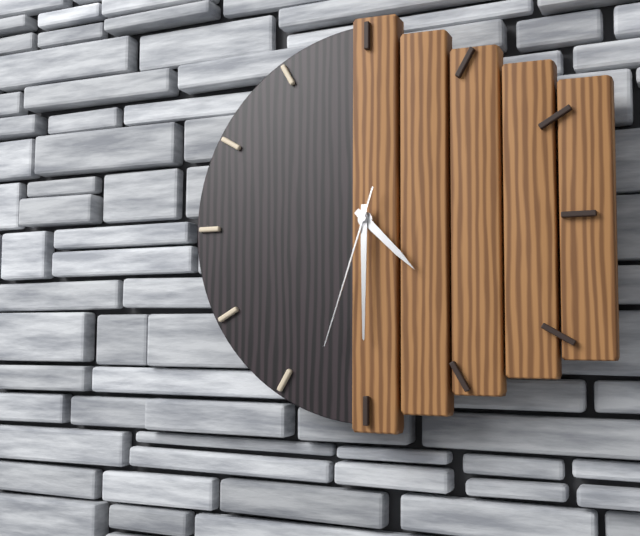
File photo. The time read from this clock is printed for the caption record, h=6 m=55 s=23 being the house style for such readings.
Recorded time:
h=4 m=30 s=33
